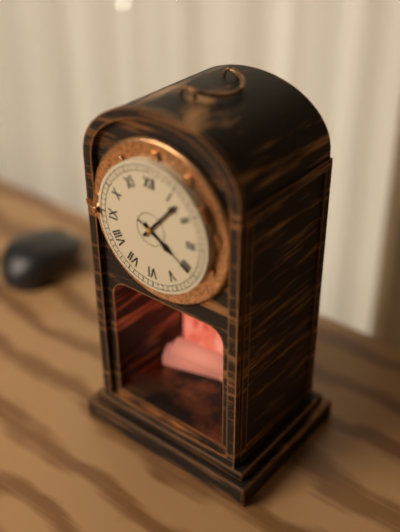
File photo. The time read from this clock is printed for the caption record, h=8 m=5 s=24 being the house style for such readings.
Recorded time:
h=4 m=7 s=20
